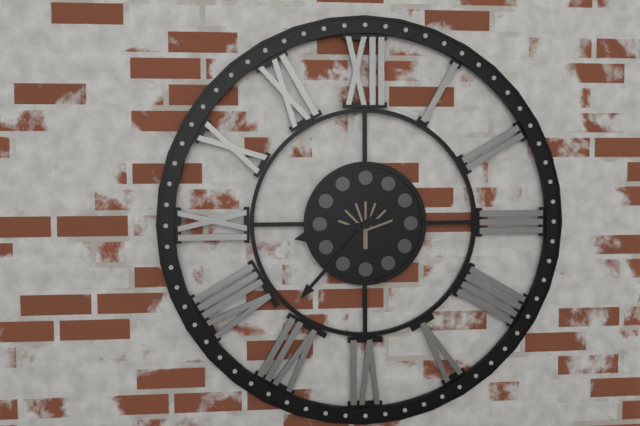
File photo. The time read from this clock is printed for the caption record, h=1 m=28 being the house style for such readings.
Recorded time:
h=8 m=37
